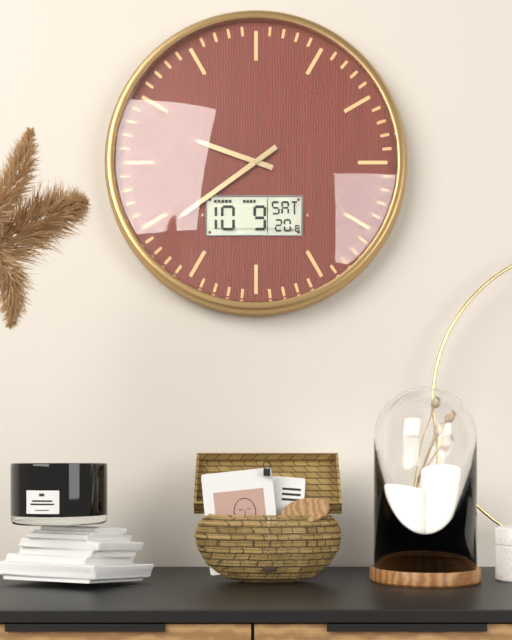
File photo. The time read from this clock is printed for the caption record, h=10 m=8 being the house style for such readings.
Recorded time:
h=9 m=39
